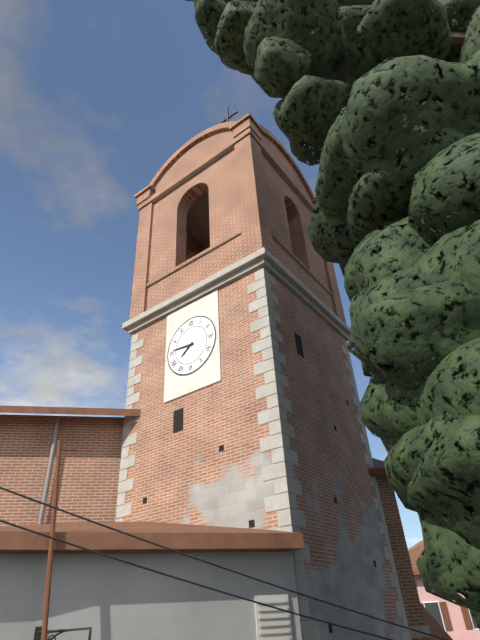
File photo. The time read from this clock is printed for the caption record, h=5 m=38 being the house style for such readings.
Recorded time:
h=7 m=46
